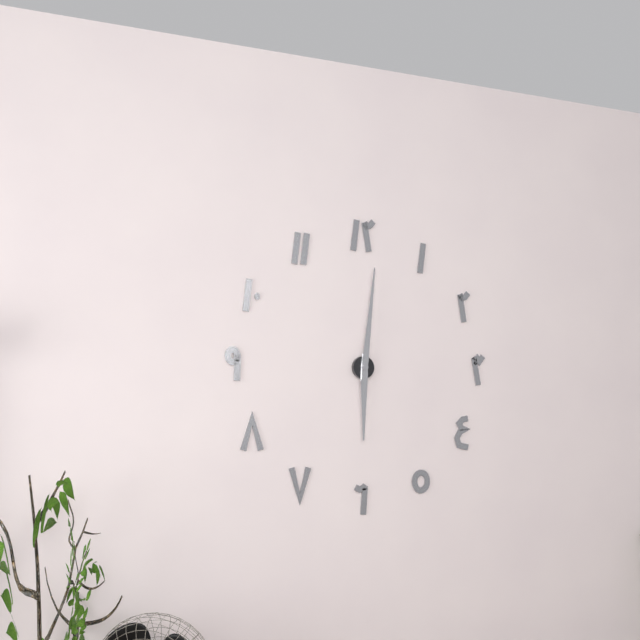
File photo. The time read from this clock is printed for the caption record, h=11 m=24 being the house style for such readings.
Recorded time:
h=6 m=1
